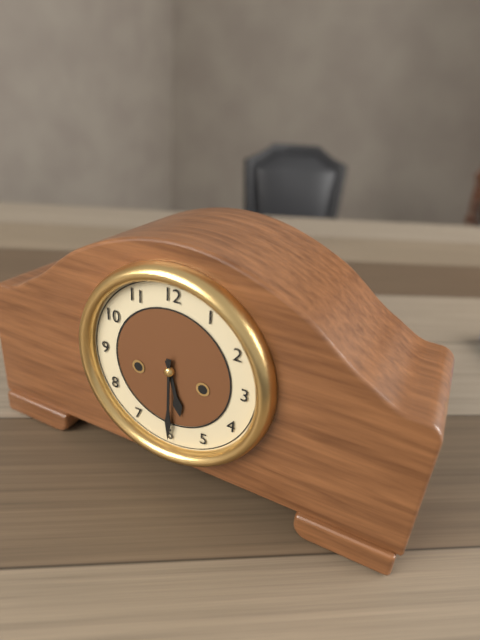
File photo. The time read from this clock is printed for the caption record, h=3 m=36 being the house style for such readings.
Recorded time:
h=5 m=30
